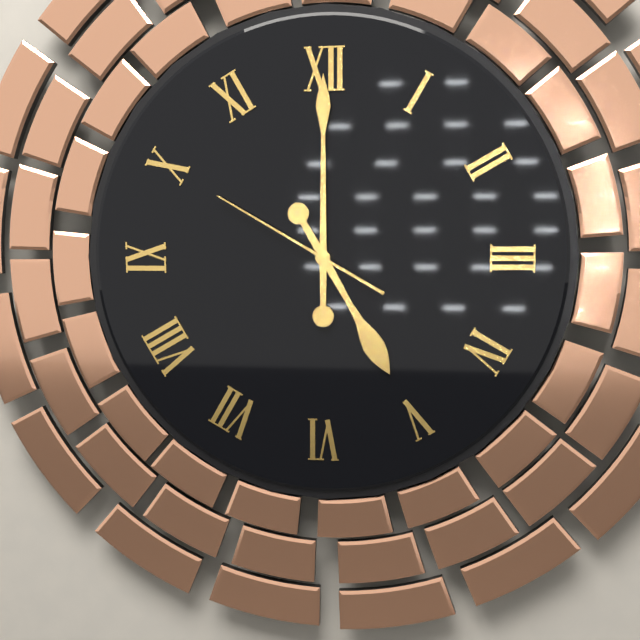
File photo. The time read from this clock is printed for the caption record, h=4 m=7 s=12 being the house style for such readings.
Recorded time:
h=5 m=0 s=50
